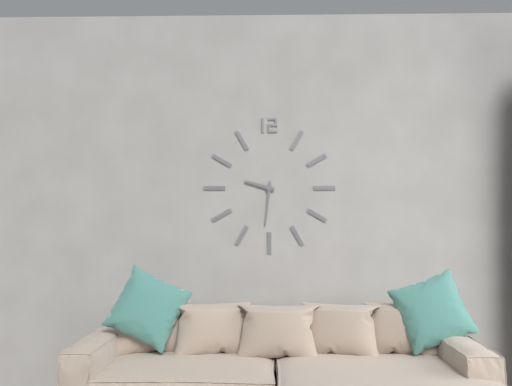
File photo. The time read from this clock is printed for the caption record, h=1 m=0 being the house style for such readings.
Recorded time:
h=9 m=31
